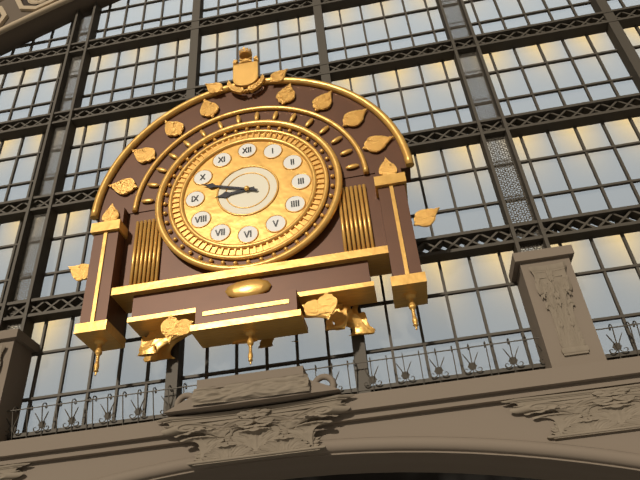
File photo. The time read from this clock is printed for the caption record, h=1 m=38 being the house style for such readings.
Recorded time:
h=8 m=48
